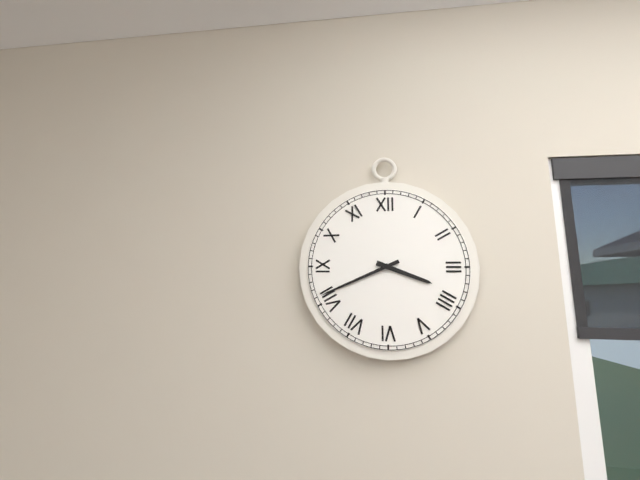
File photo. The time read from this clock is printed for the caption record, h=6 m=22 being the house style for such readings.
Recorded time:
h=3 m=41
